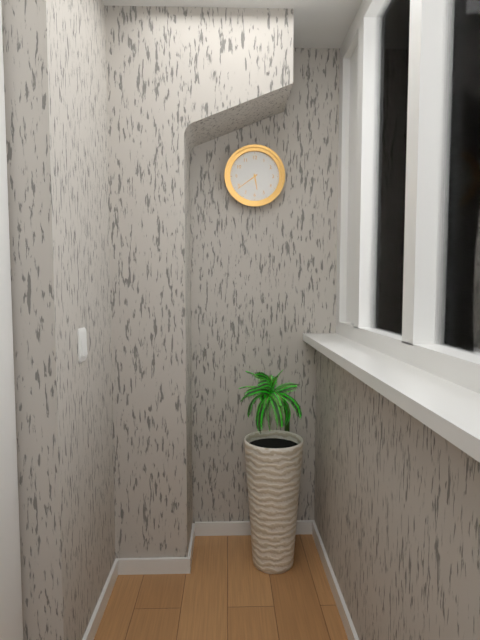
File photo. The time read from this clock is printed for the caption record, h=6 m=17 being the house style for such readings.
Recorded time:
h=5 m=39
